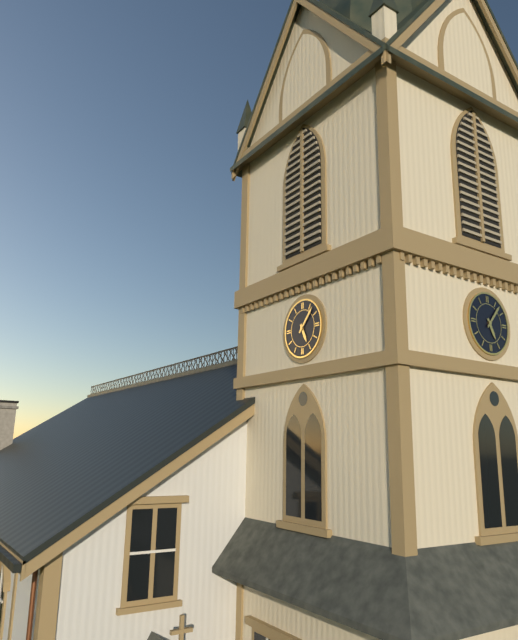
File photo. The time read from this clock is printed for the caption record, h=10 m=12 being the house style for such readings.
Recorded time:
h=5 m=7
